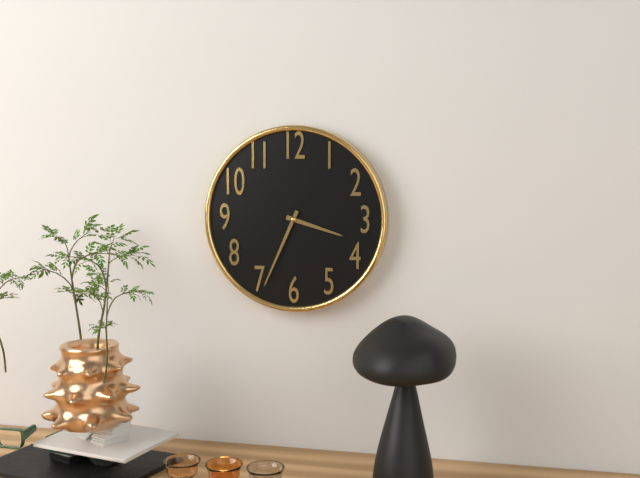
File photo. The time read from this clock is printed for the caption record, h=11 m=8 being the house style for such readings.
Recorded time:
h=3 m=34
